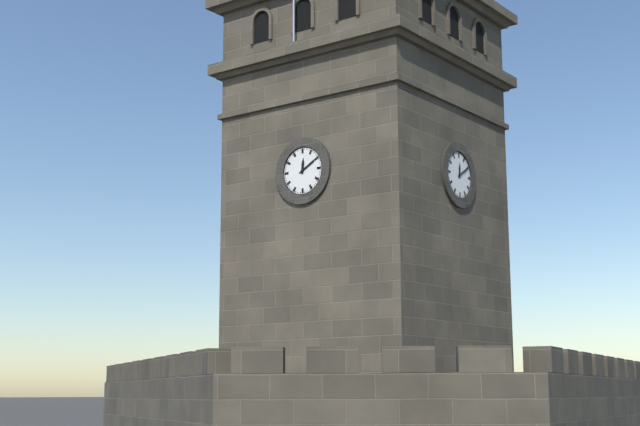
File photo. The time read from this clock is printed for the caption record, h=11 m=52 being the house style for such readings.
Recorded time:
h=12 m=10
